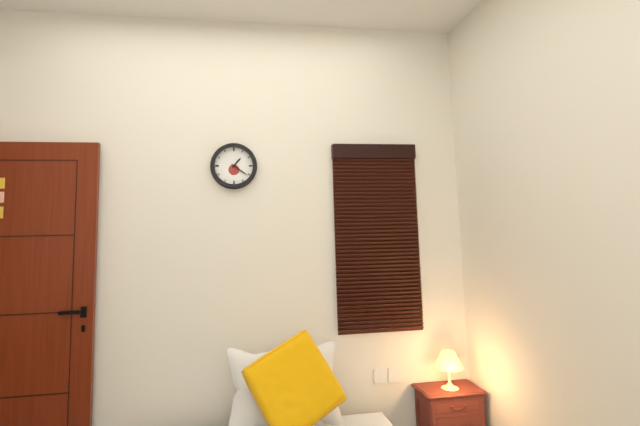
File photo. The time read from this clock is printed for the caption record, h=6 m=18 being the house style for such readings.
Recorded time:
h=1 m=21
